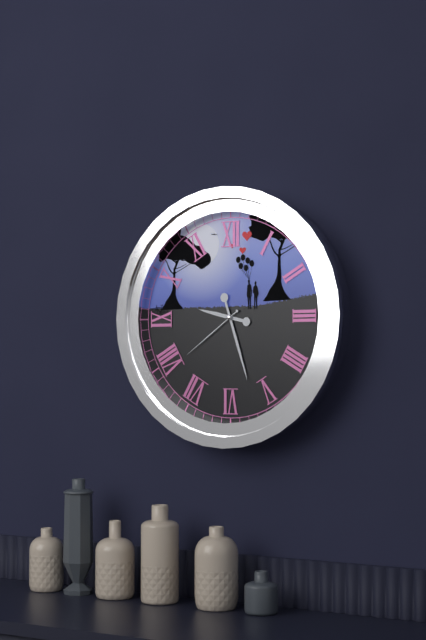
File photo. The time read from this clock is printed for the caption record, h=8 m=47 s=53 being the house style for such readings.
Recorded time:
h=9 m=27 s=39
